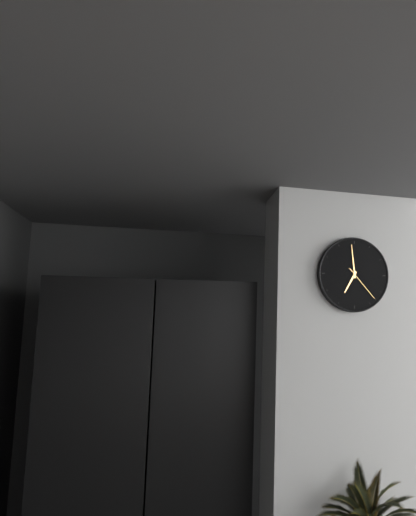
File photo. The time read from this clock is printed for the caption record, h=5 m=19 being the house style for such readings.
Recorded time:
h=6 m=59
